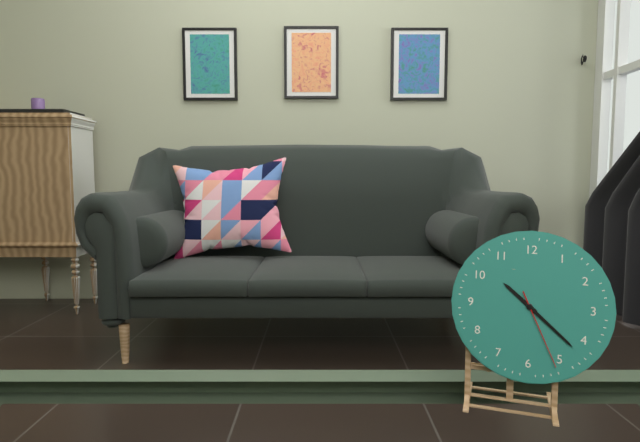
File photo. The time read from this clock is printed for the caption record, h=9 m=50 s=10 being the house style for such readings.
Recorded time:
h=10 m=22 s=26
